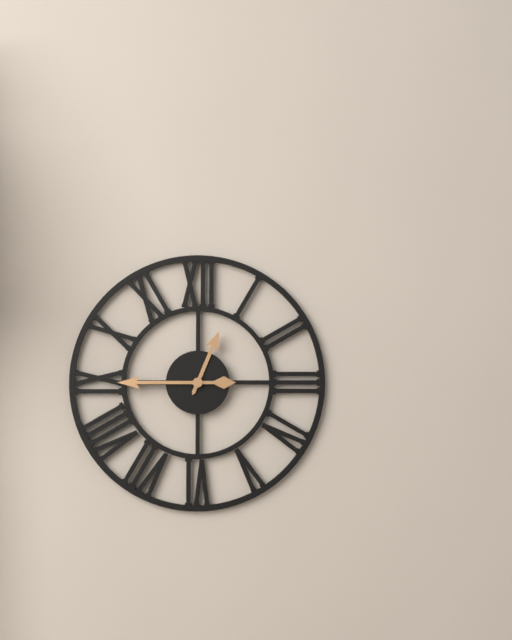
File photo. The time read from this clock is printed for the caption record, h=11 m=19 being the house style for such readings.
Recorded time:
h=12 m=45
